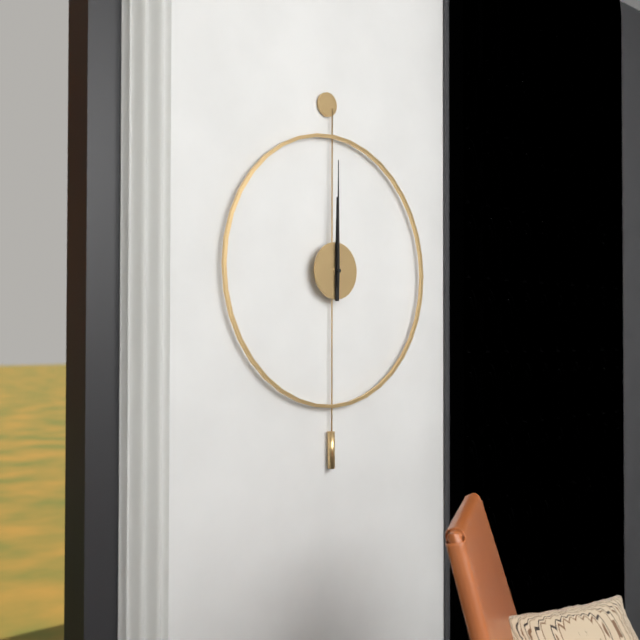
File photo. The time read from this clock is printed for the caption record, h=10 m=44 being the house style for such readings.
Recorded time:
h=12 m=0
